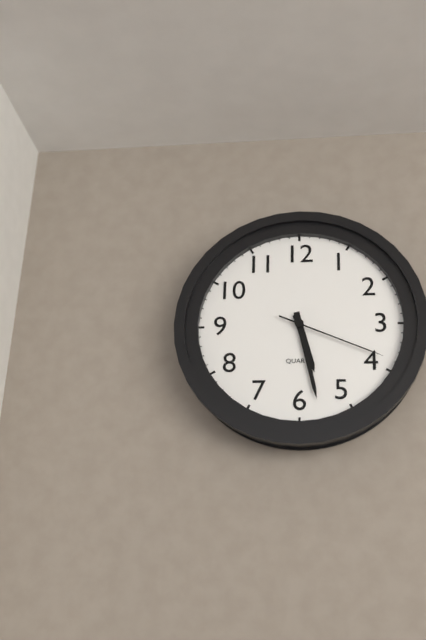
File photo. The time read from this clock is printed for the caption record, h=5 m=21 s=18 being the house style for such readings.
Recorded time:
h=5 m=28 s=19
